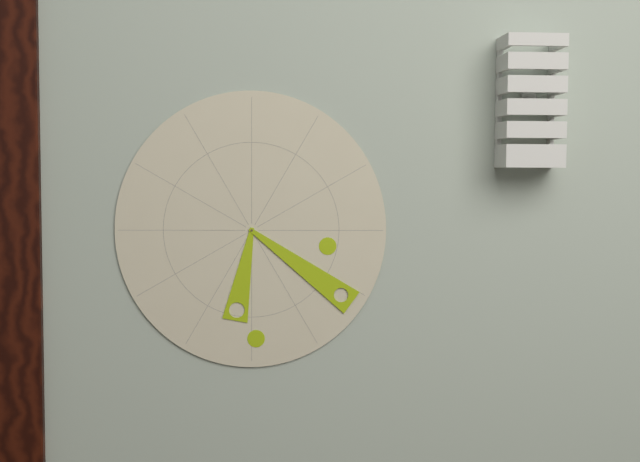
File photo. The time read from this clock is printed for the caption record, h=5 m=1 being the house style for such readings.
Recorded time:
h=6 m=21
